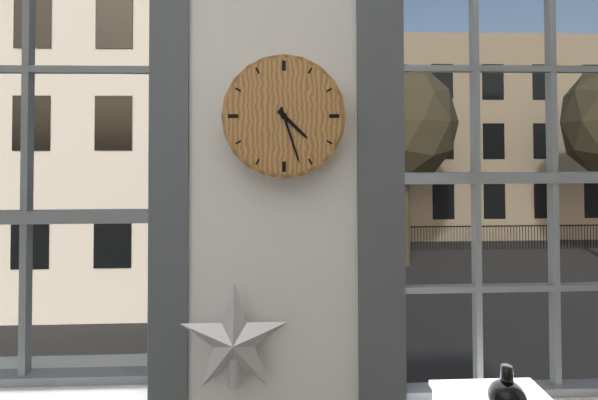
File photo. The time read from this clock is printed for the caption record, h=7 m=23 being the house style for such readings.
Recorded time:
h=4 m=27
